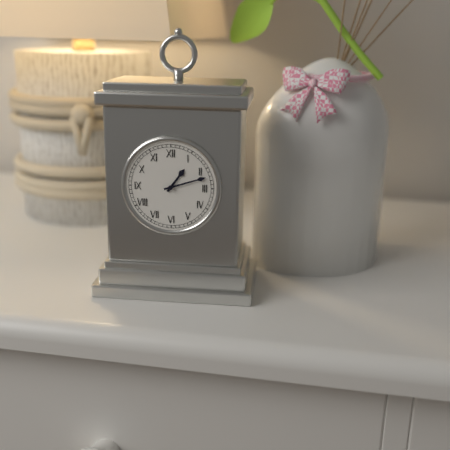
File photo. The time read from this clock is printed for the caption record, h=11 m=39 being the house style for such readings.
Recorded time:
h=1 m=12
